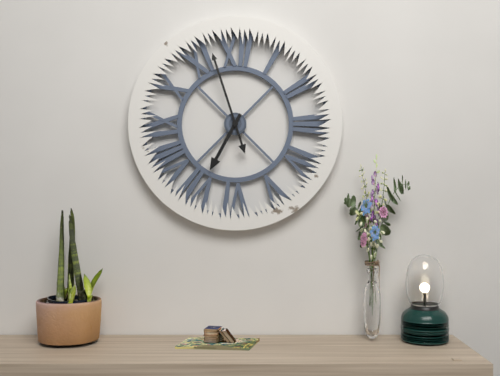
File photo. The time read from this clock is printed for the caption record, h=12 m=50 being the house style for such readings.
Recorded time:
h=6 m=57
